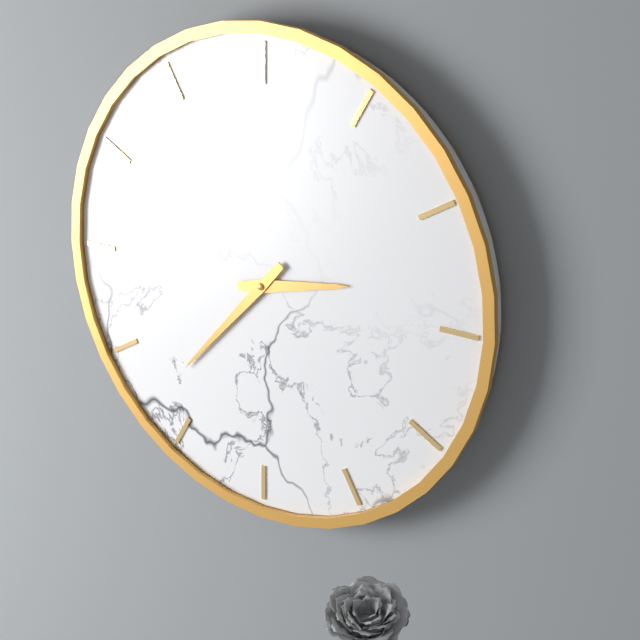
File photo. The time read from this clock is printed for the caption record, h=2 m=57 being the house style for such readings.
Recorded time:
h=2 m=37
